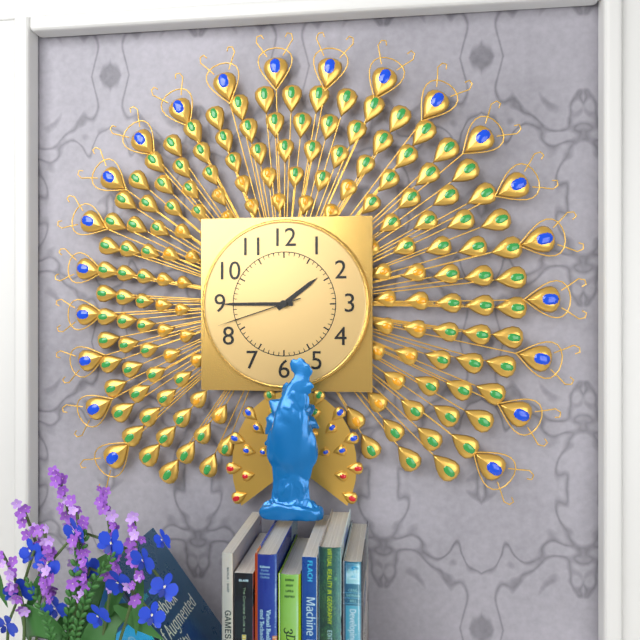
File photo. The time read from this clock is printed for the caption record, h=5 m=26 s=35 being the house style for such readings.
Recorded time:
h=1 m=45 s=42
